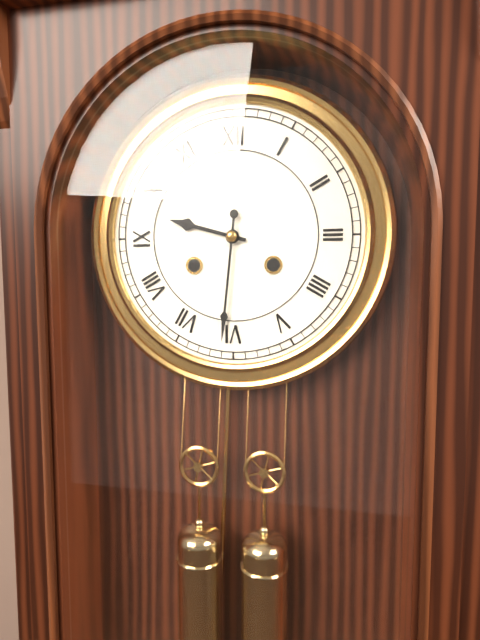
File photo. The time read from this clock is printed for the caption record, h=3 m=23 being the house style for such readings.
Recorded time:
h=9 m=31
